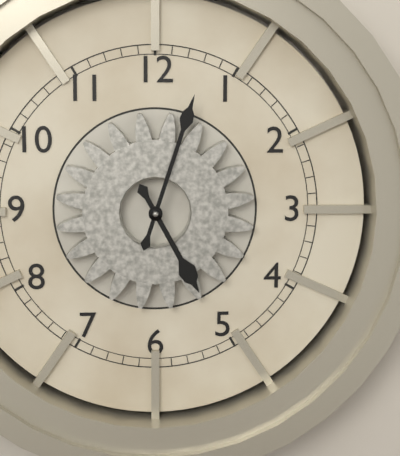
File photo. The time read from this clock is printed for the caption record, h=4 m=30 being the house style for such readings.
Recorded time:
h=5 m=3
